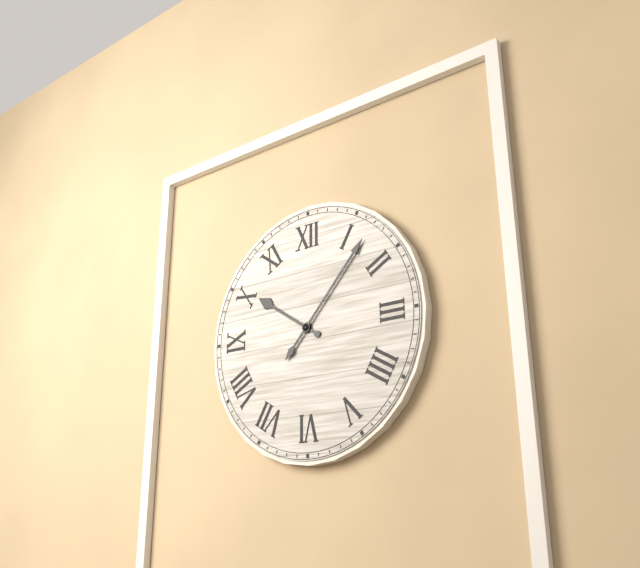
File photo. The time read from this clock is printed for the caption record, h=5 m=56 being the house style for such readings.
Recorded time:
h=10 m=7
